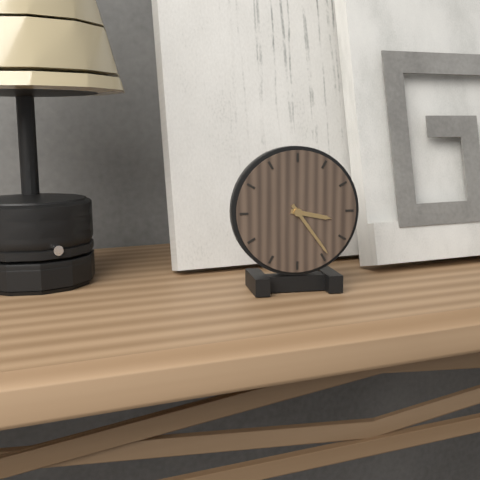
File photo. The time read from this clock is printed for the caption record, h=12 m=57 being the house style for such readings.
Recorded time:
h=3 m=24
